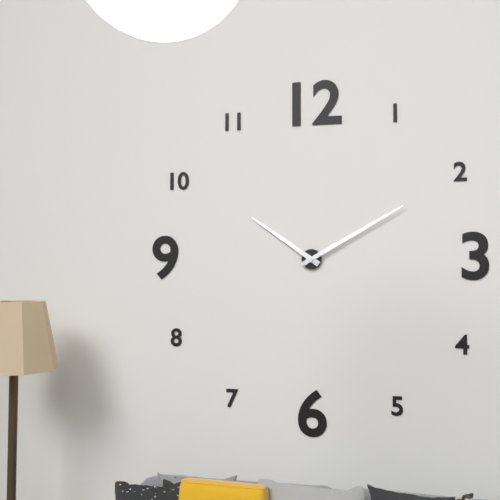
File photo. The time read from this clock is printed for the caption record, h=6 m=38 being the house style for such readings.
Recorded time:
h=10 m=10
